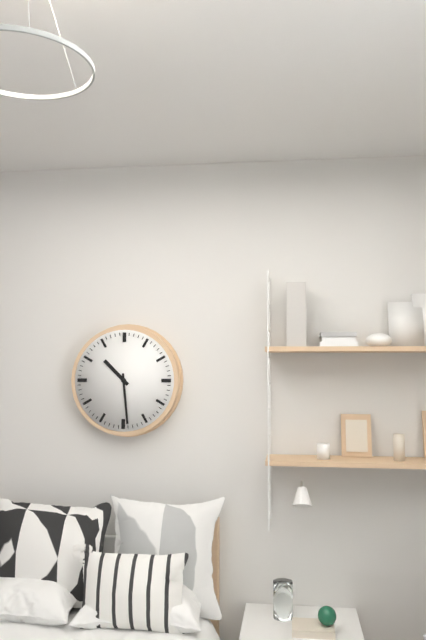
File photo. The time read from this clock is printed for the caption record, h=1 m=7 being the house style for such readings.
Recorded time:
h=10 m=29
